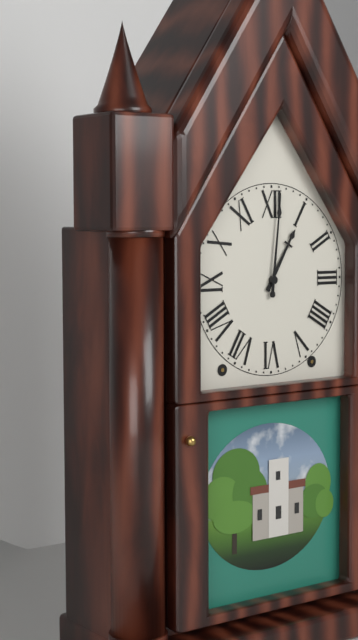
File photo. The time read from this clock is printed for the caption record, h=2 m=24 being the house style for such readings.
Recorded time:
h=1 m=1
